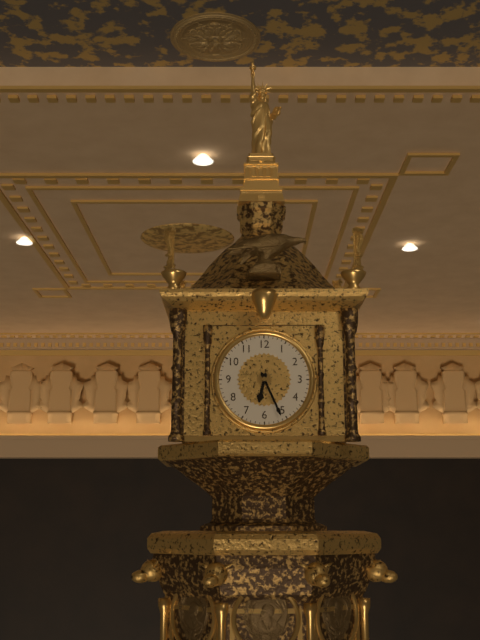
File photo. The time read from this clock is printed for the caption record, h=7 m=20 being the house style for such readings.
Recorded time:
h=6 m=26
